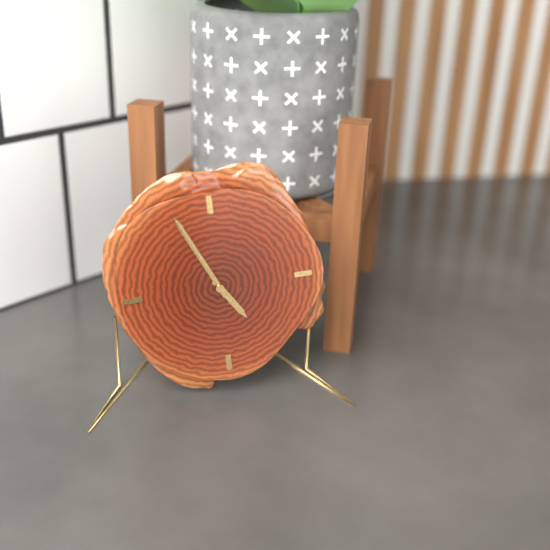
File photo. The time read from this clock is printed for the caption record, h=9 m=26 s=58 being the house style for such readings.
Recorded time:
h=4 m=56 s=56
